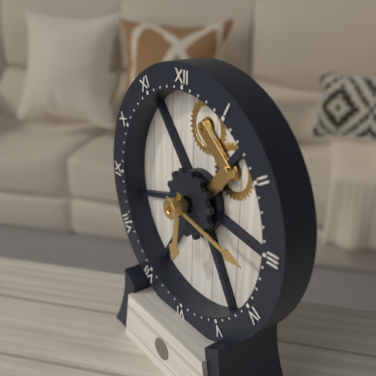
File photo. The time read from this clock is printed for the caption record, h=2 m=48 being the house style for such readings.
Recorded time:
h=6 m=17
